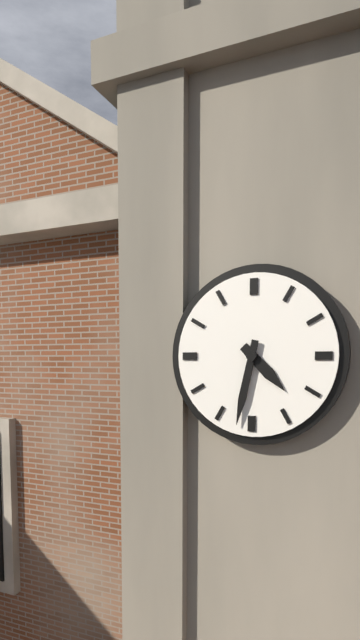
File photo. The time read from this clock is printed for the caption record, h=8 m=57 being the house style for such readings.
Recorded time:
h=4 m=32
